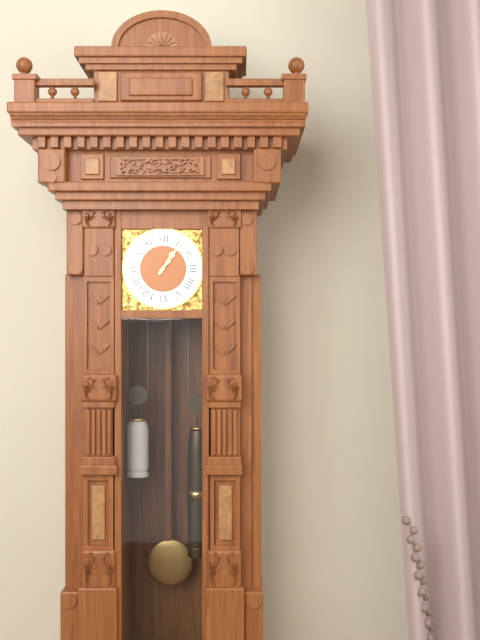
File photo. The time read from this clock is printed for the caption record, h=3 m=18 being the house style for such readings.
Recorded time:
h=1 m=6
